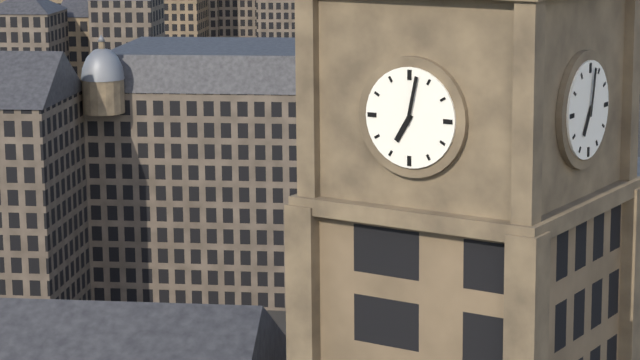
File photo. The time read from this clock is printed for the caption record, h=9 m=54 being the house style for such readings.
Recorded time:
h=7 m=2
